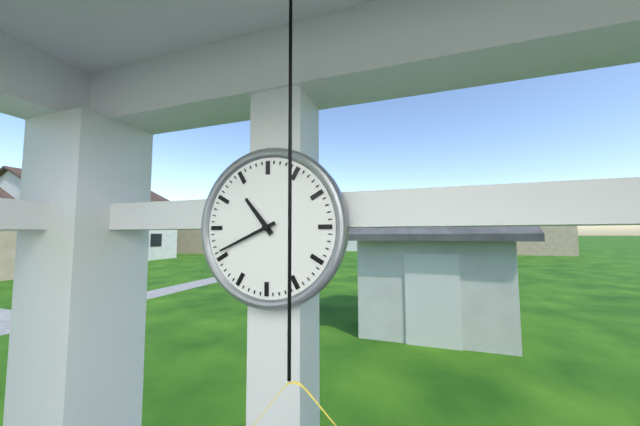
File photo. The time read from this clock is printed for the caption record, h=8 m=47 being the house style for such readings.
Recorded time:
h=10 m=41
